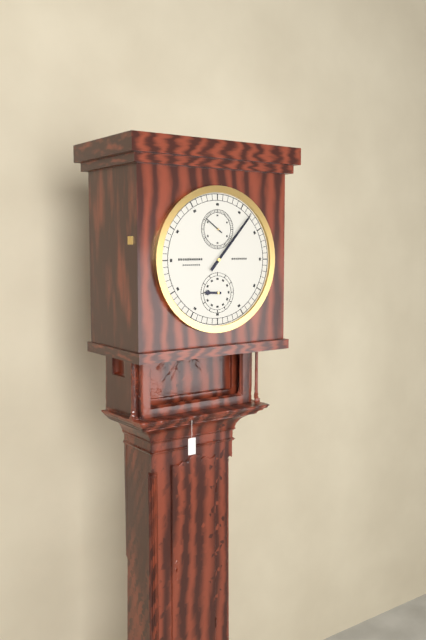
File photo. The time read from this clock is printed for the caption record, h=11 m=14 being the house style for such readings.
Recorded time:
h=9 m=7
